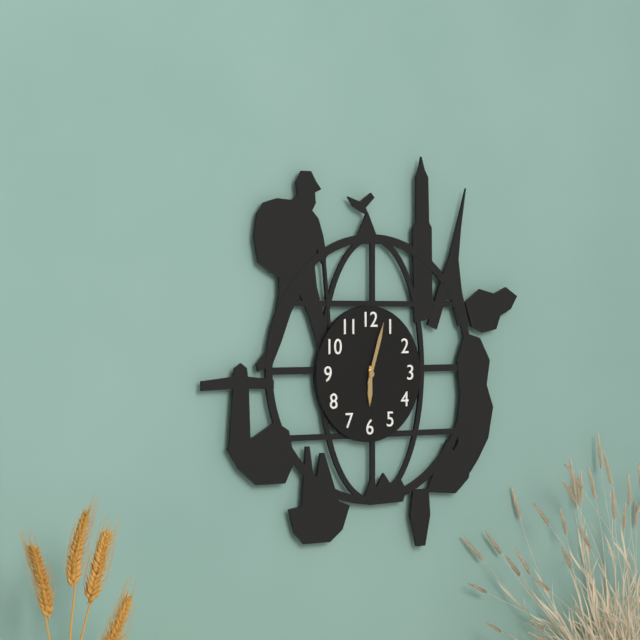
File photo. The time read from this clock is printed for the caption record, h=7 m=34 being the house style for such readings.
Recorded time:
h=6 m=3
